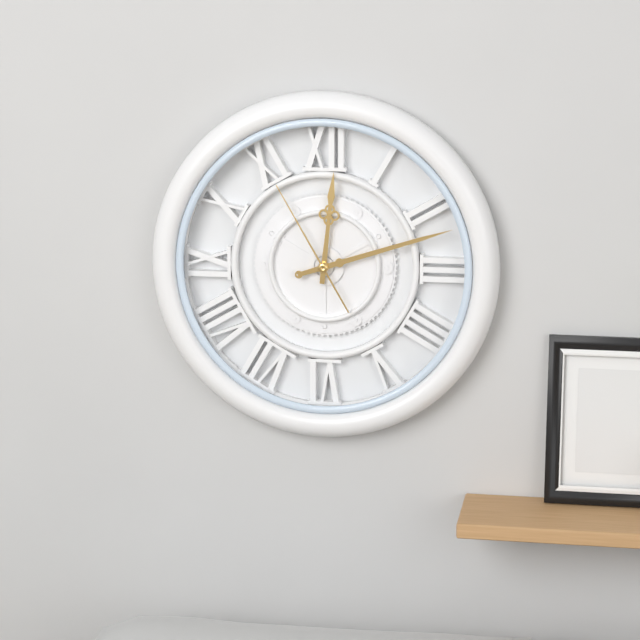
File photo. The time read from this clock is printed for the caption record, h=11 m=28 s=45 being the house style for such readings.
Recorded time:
h=12 m=12 s=55
